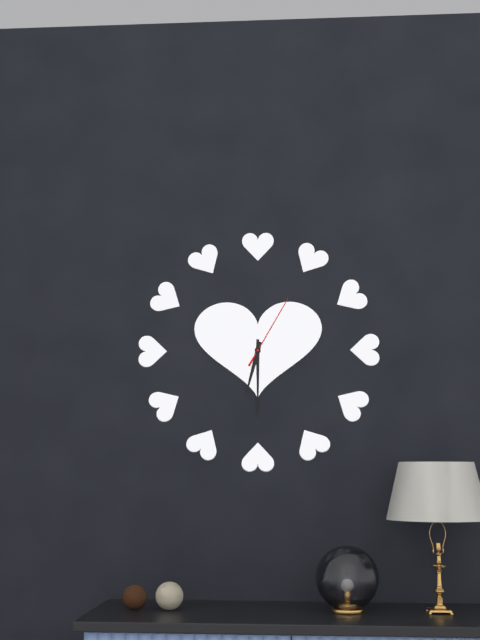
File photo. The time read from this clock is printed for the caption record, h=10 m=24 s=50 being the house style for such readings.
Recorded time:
h=6 m=30 s=5
